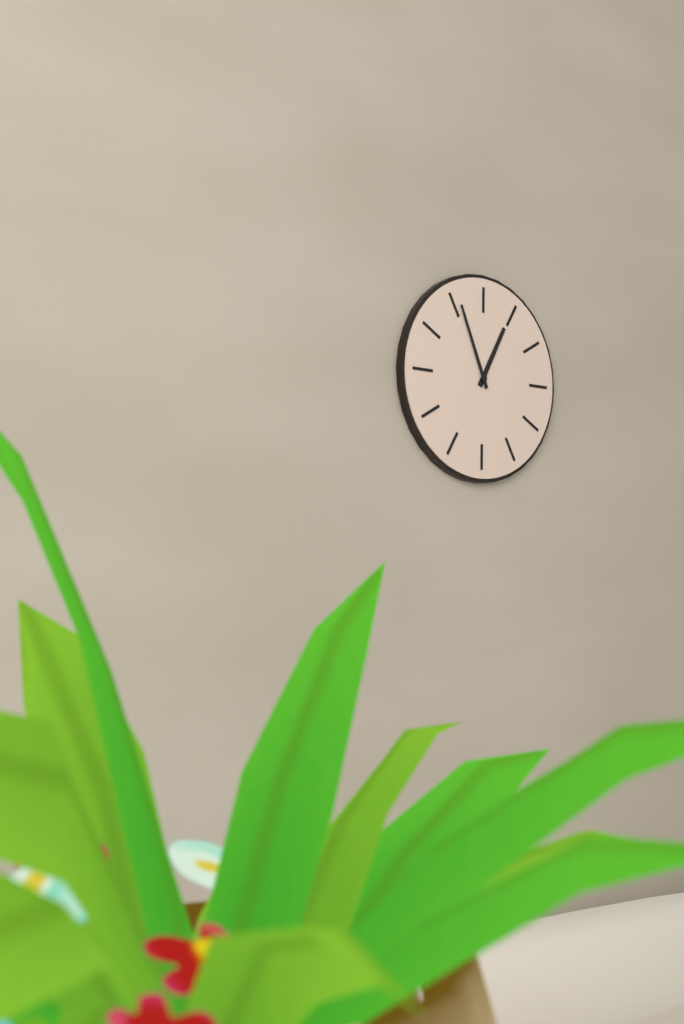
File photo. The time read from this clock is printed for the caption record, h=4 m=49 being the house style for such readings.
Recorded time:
h=12 m=56
